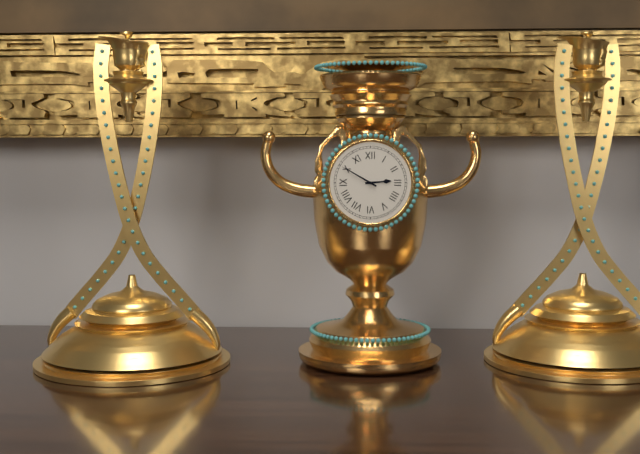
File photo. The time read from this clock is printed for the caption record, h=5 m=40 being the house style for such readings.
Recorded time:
h=2 m=50
